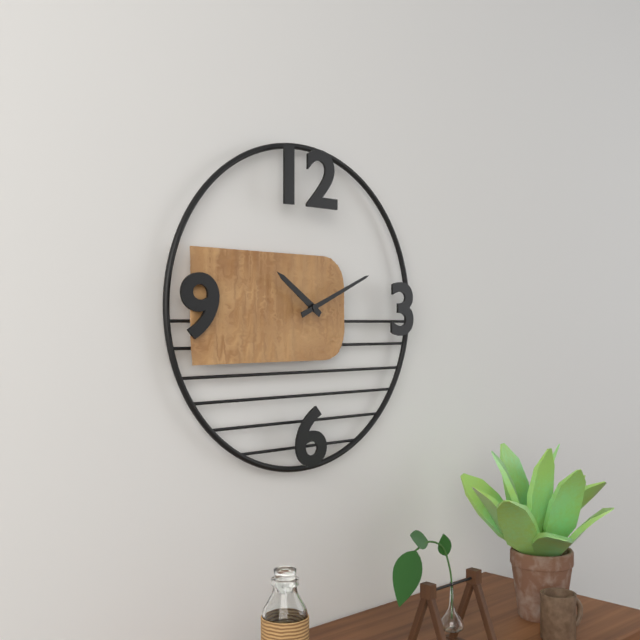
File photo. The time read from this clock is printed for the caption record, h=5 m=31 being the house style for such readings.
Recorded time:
h=10 m=11
